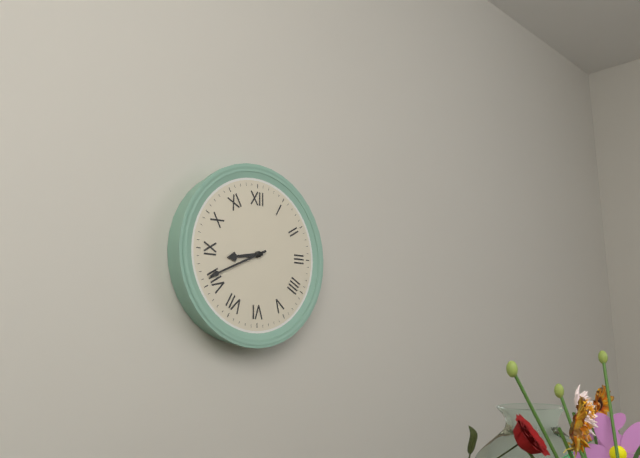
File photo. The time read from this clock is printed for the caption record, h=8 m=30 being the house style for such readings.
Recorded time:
h=8 m=41
